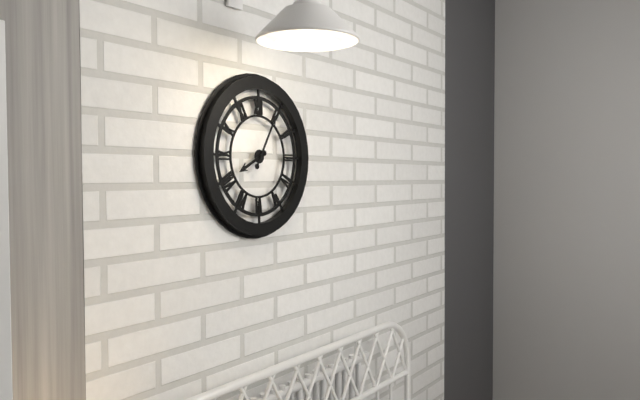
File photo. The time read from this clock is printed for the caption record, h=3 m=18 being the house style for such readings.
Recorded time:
h=8 m=5
